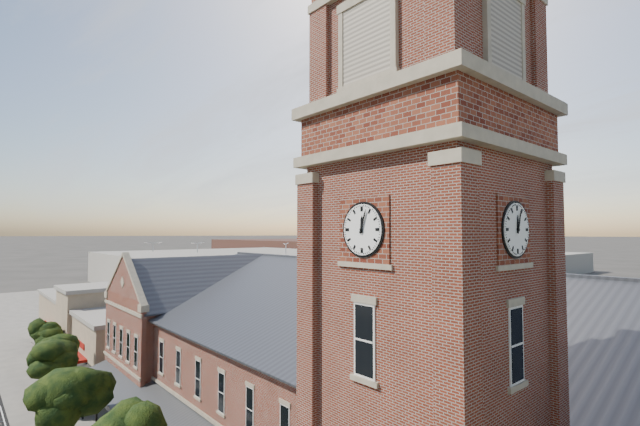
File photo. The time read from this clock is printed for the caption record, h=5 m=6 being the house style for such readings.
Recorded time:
h=12 m=3
